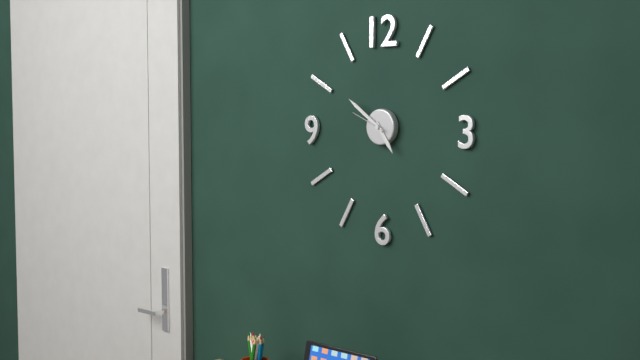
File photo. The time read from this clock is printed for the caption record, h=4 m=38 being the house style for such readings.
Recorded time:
h=4 m=51
